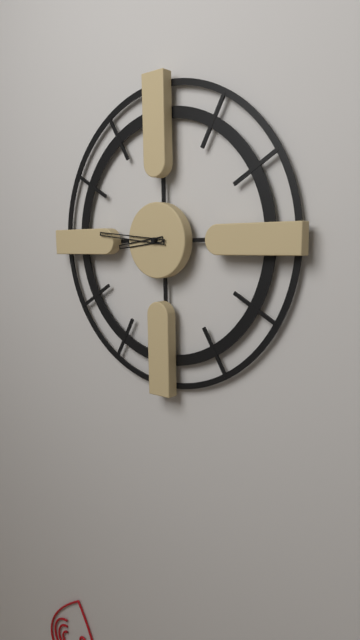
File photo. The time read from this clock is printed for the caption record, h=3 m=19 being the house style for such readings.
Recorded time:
h=8 m=46
